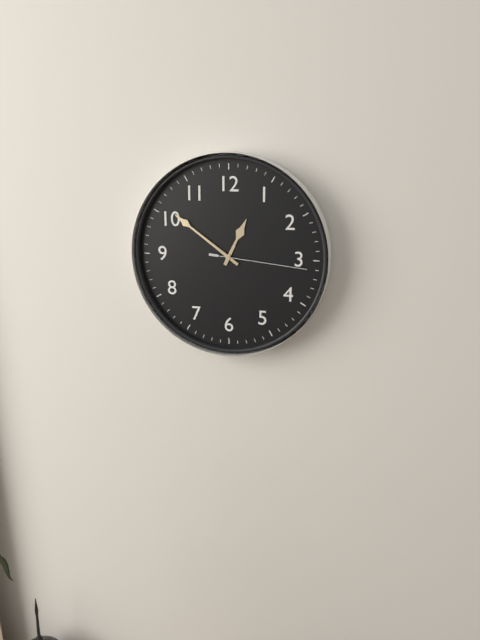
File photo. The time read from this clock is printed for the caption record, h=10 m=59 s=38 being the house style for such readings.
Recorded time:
h=12 m=51 s=16
